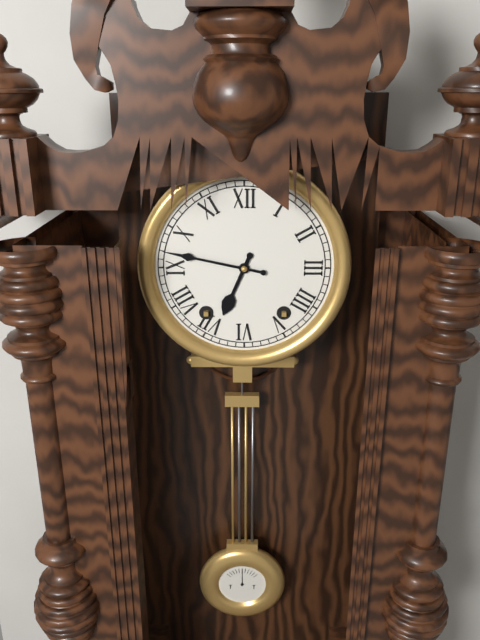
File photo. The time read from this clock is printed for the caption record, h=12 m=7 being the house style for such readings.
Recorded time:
h=6 m=47
